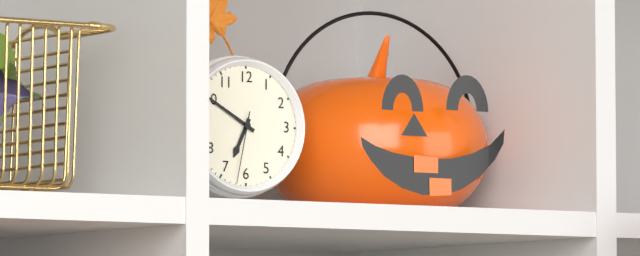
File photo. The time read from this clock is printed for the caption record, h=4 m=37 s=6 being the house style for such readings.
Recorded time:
h=6 m=50 s=32
